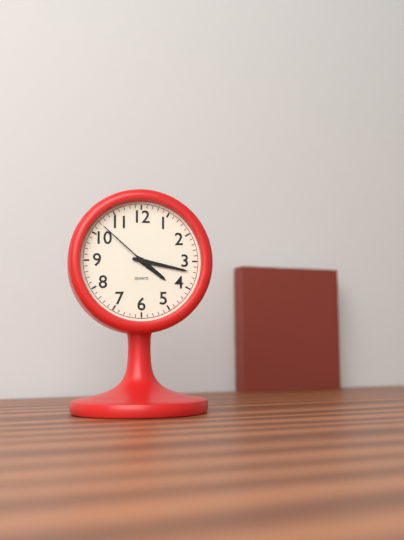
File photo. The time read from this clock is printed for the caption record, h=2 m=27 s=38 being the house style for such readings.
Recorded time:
h=4 m=17 s=52
